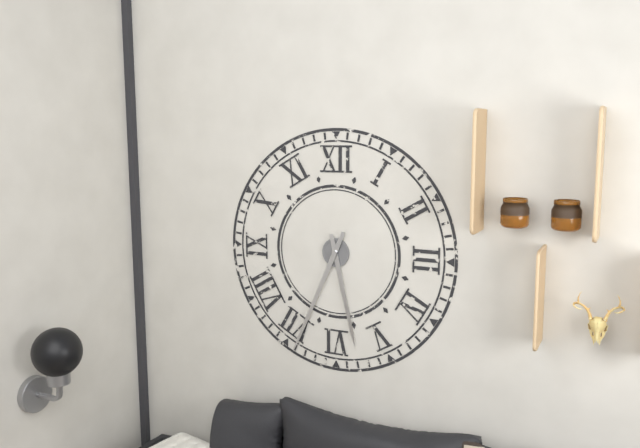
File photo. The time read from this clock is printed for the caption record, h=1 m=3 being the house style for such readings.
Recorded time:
h=5 m=34
